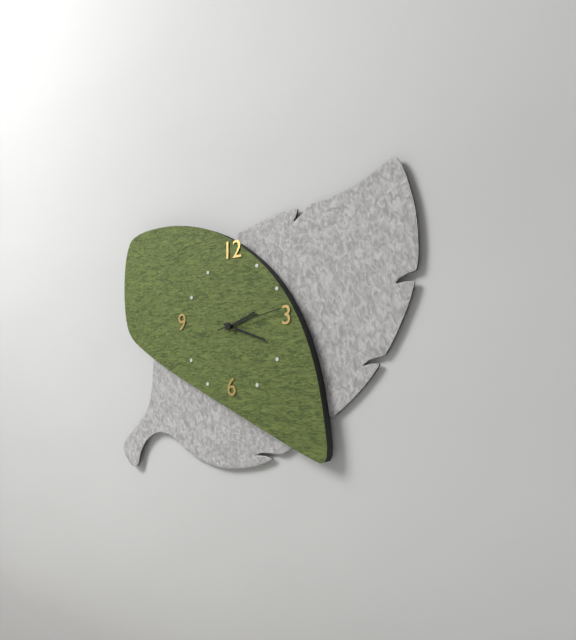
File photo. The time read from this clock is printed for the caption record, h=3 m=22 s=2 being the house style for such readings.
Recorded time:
h=2 m=18 s=13
